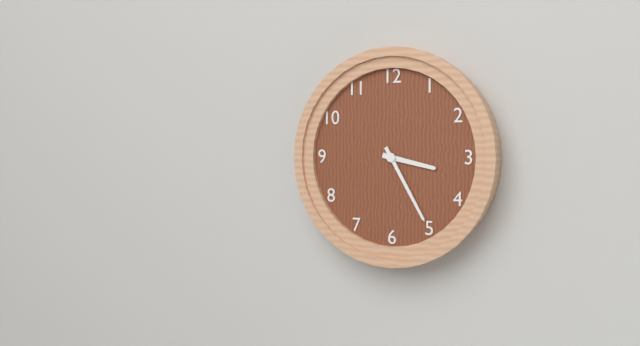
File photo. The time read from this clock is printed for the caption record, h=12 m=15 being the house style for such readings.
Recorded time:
h=3 m=25
